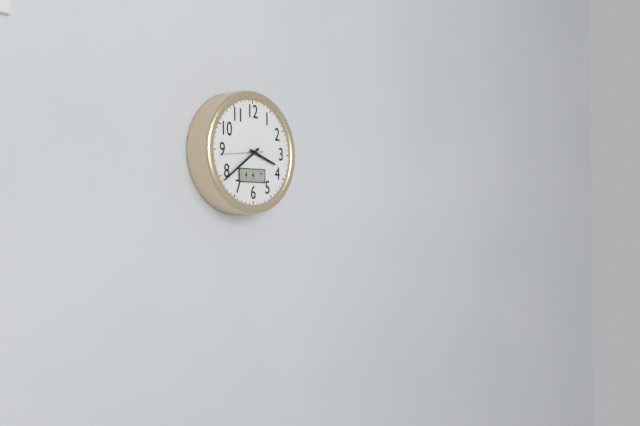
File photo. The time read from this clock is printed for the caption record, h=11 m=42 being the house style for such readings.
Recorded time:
h=3 m=39
